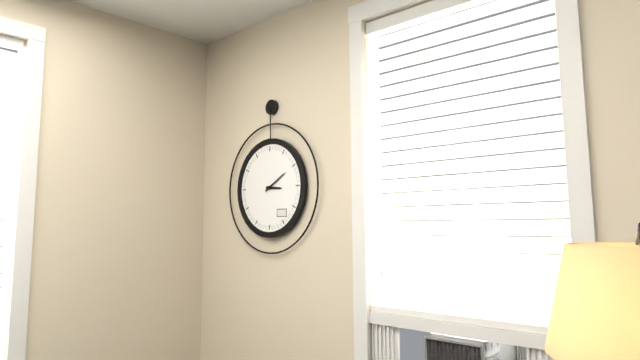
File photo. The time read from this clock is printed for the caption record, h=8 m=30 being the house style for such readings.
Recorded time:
h=3 m=10
